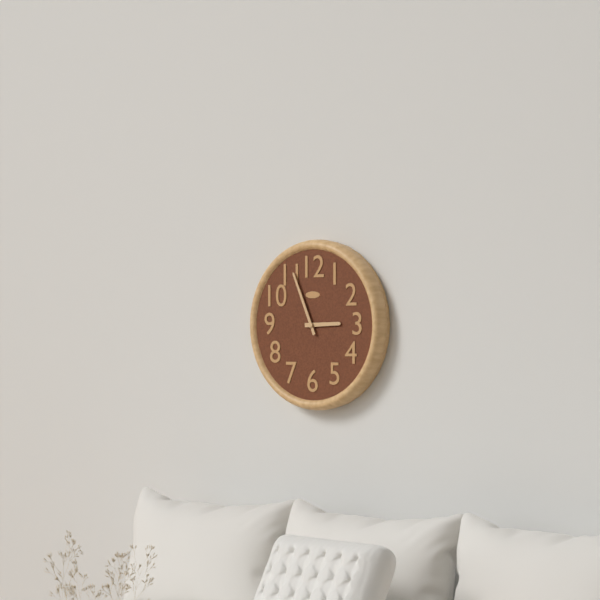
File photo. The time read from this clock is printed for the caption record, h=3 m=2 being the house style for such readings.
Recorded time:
h=2 m=56
